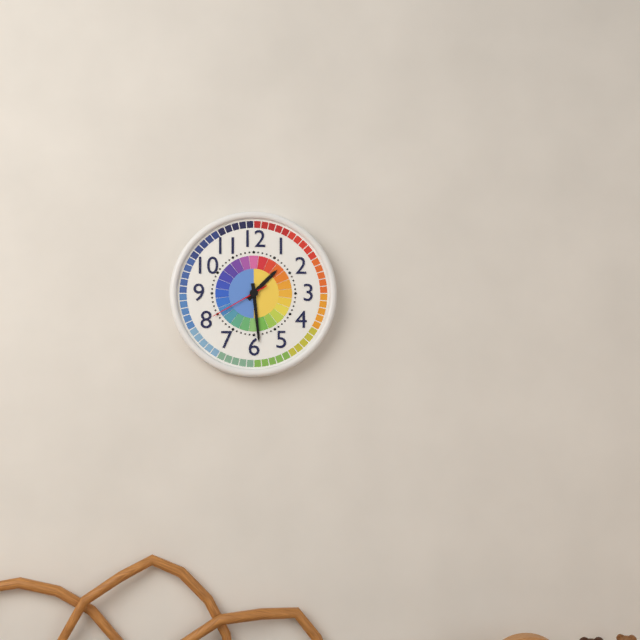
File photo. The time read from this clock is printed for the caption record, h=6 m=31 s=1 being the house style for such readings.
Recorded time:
h=1 m=29 s=40
